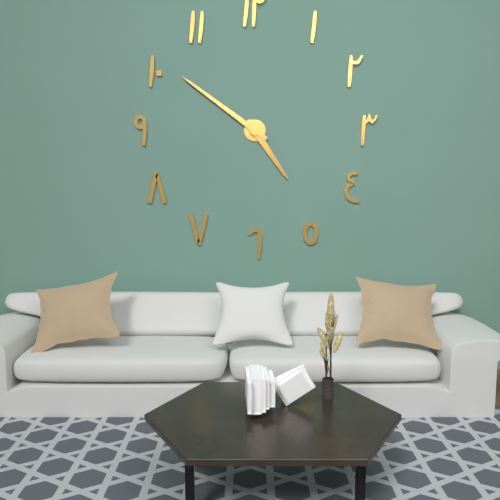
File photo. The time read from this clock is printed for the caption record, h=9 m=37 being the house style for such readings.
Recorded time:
h=4 m=51
